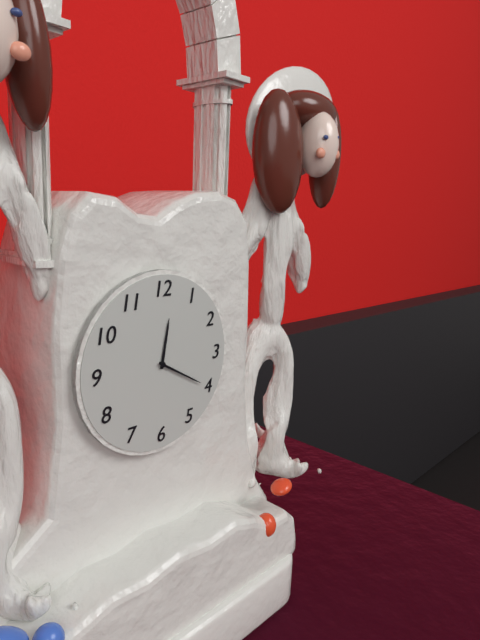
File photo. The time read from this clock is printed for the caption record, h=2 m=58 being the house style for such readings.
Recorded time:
h=12 m=20
